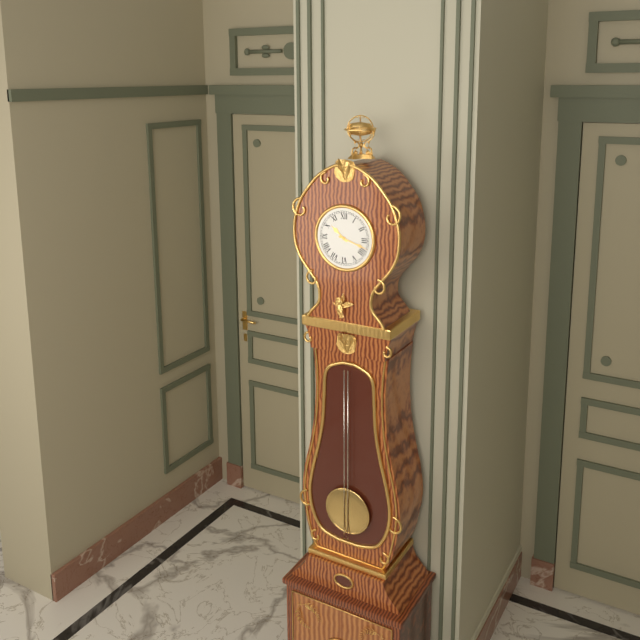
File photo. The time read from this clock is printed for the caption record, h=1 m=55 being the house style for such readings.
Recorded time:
h=10 m=18
